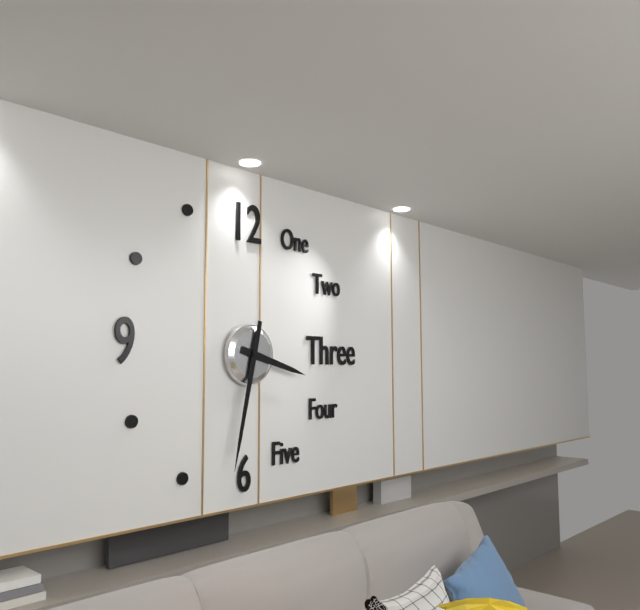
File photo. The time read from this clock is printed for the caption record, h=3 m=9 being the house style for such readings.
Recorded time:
h=3 m=32
